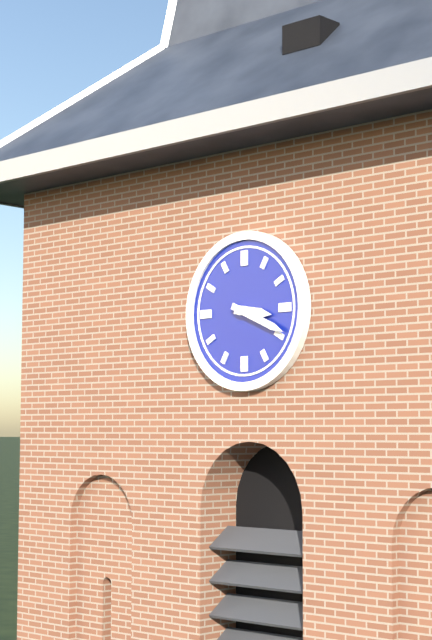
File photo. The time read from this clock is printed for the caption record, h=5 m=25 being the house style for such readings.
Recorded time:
h=3 m=19
